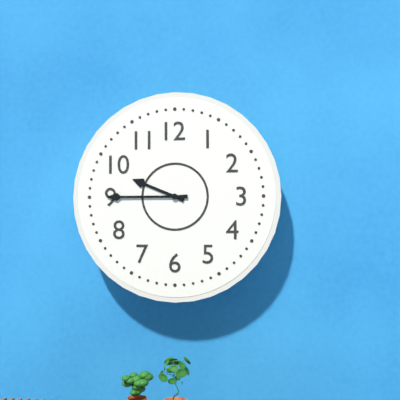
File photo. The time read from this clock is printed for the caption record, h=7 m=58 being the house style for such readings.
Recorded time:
h=9 m=45
